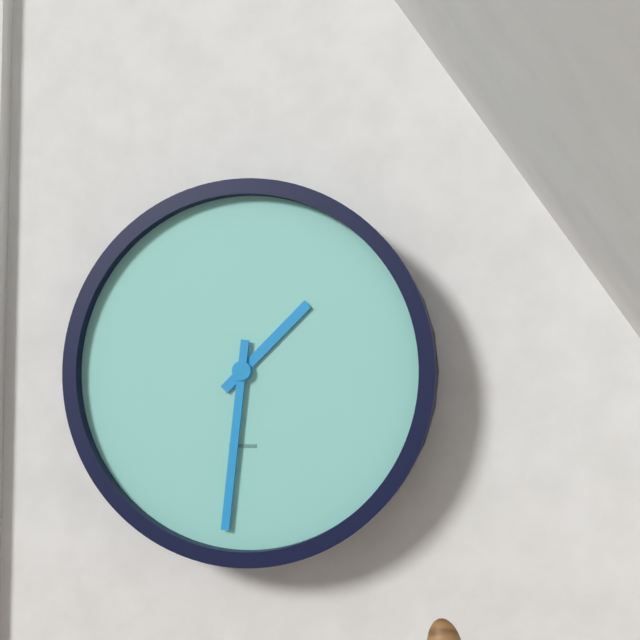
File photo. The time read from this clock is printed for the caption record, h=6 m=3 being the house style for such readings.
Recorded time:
h=1 m=31
